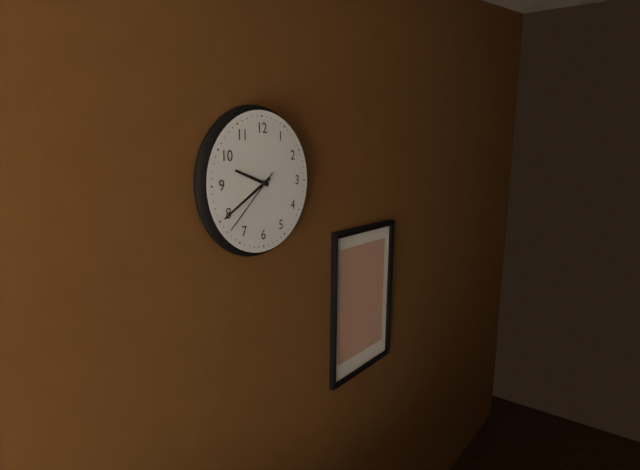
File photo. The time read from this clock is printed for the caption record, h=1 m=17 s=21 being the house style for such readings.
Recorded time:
h=9 m=40 s=38
